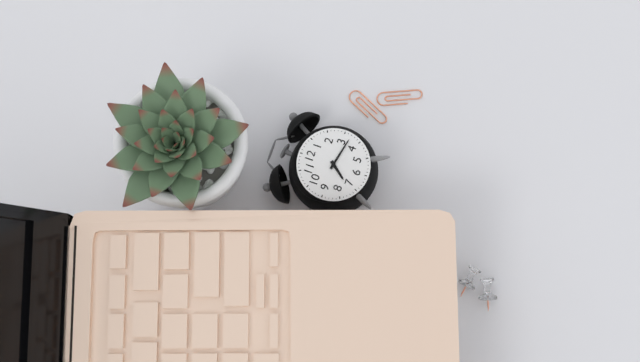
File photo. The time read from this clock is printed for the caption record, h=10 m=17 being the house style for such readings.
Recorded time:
h=7 m=17
